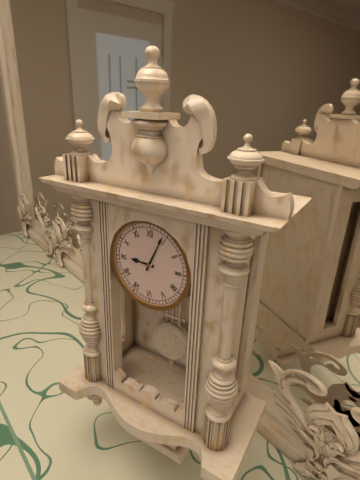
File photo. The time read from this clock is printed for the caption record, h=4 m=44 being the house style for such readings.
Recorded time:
h=9 m=4
